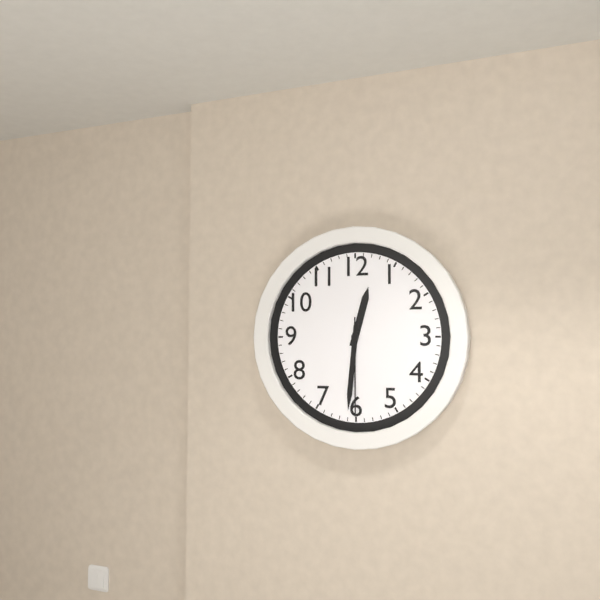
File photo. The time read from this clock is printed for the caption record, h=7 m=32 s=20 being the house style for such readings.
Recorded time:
h=12 m=31 s=30
